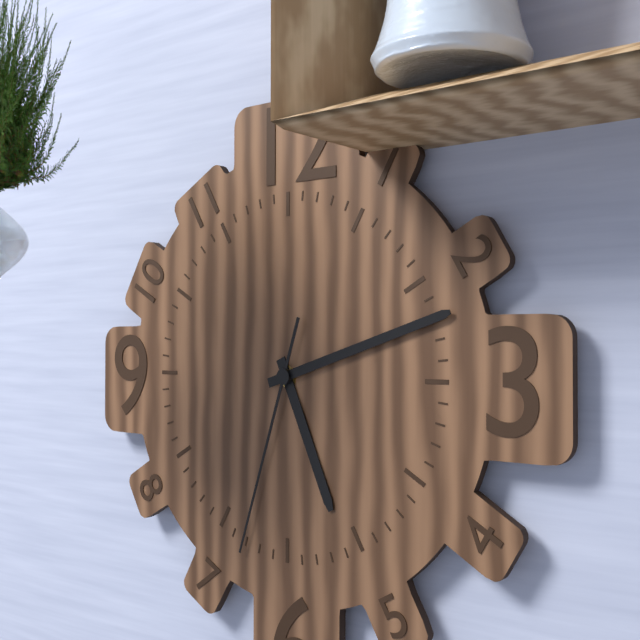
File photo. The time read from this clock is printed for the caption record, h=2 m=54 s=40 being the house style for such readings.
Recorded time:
h=5 m=12 s=33
